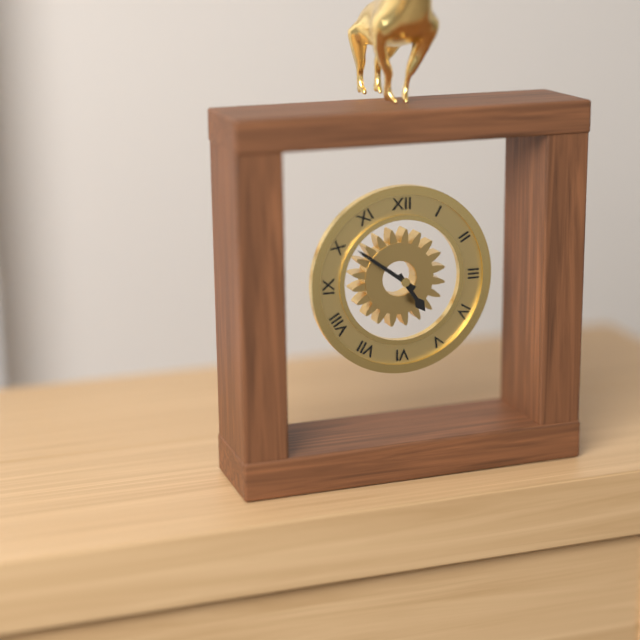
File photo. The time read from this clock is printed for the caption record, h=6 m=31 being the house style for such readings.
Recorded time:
h=4 m=51
